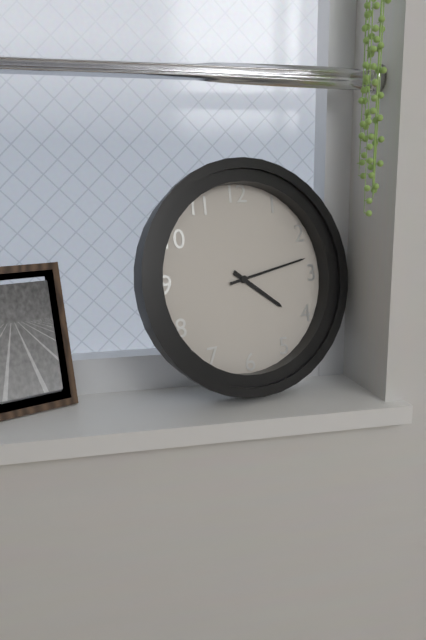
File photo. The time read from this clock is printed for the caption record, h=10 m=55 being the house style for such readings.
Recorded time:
h=4 m=13
